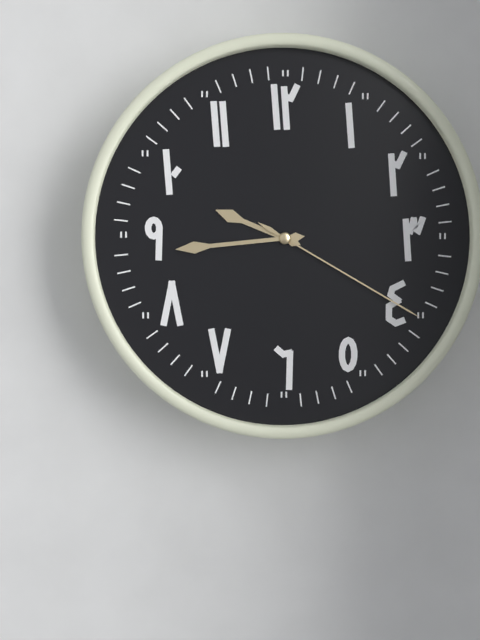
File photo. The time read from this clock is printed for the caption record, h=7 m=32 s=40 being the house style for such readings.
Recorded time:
h=9 m=44 s=20
